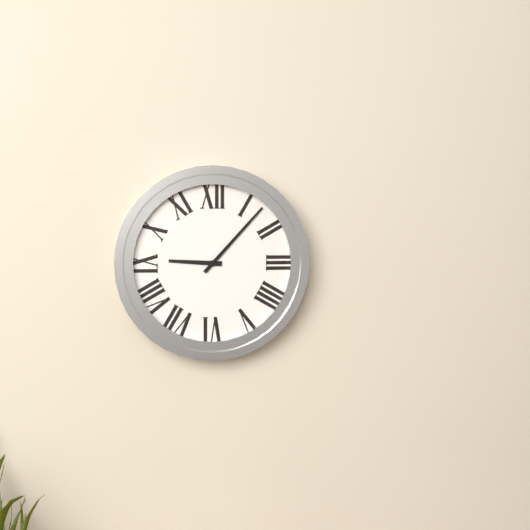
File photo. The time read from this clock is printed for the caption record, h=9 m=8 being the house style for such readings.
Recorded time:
h=9 m=7
